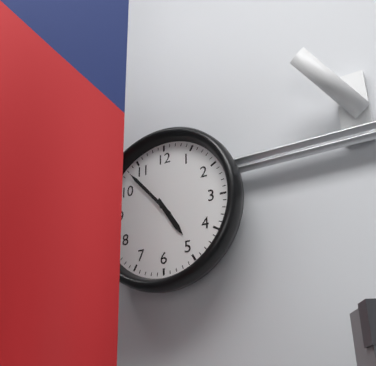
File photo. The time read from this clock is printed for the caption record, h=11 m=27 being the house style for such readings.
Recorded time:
h=4 m=53
